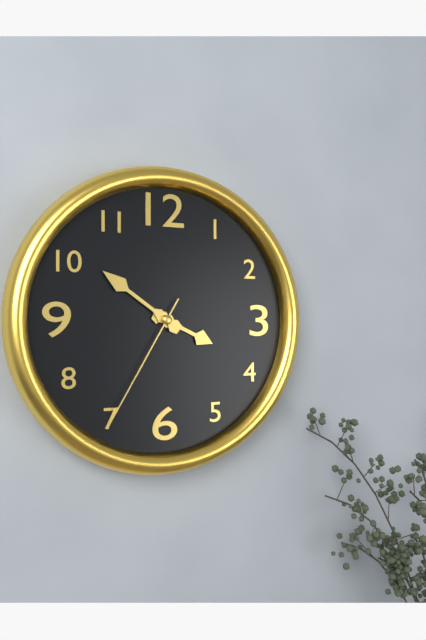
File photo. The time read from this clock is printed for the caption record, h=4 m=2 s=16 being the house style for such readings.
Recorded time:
h=3 m=51 s=35
